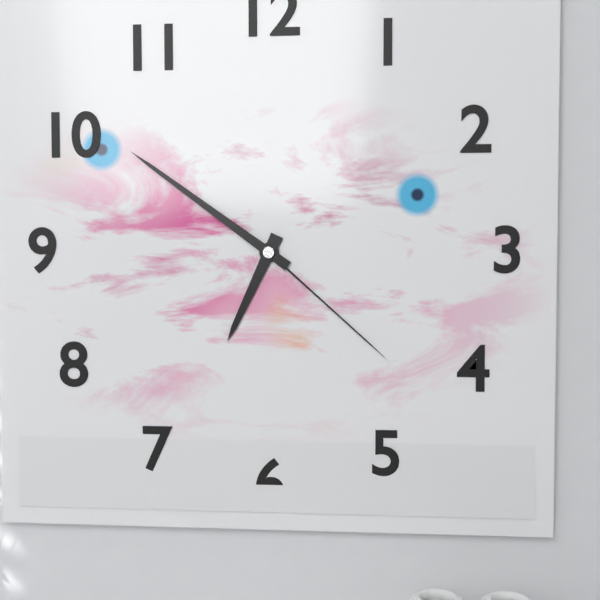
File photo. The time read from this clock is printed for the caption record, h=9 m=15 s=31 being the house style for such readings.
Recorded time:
h=6 m=51 s=22
